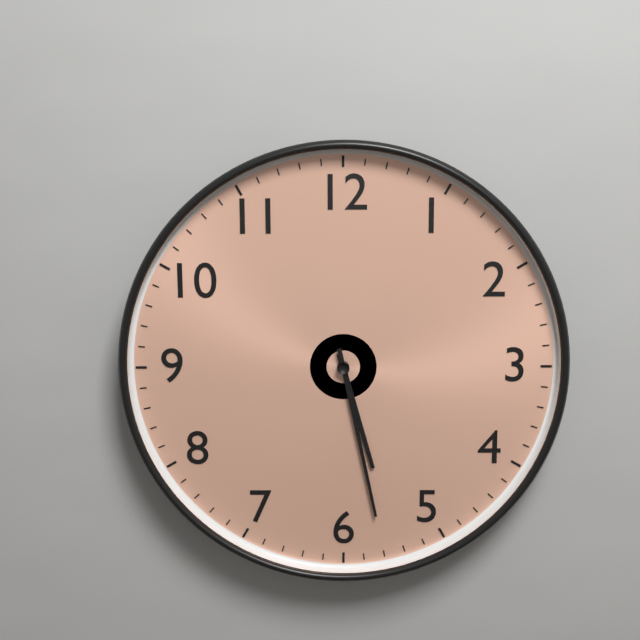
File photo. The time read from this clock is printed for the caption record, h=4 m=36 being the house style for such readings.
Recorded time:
h=5 m=28
